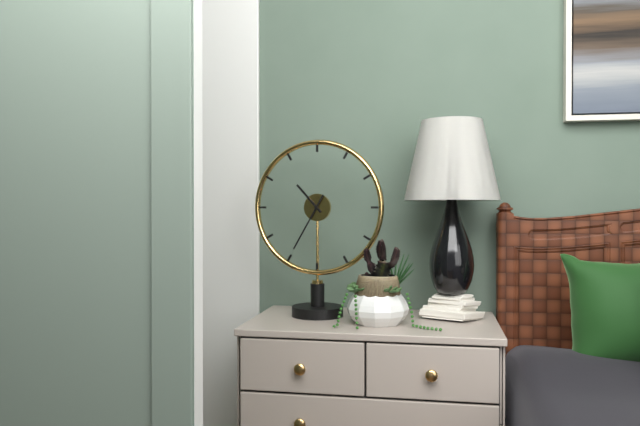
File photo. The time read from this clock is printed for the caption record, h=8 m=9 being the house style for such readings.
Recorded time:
h=10 m=35
